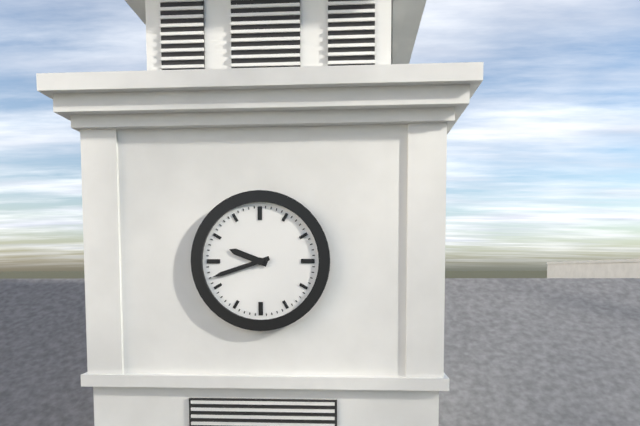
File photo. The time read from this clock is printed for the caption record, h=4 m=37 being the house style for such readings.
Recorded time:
h=9 m=42
